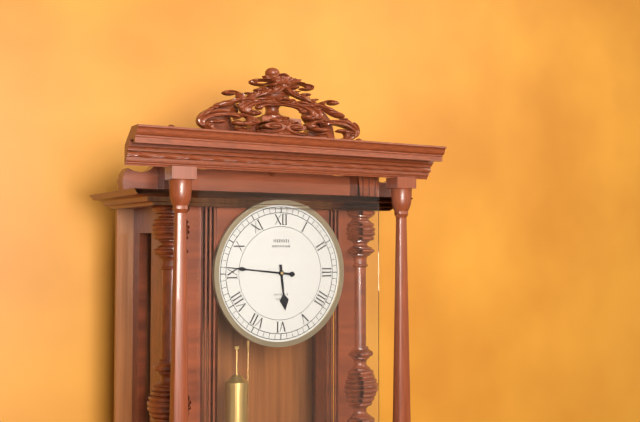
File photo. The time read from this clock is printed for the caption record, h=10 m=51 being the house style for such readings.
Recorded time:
h=5 m=46
